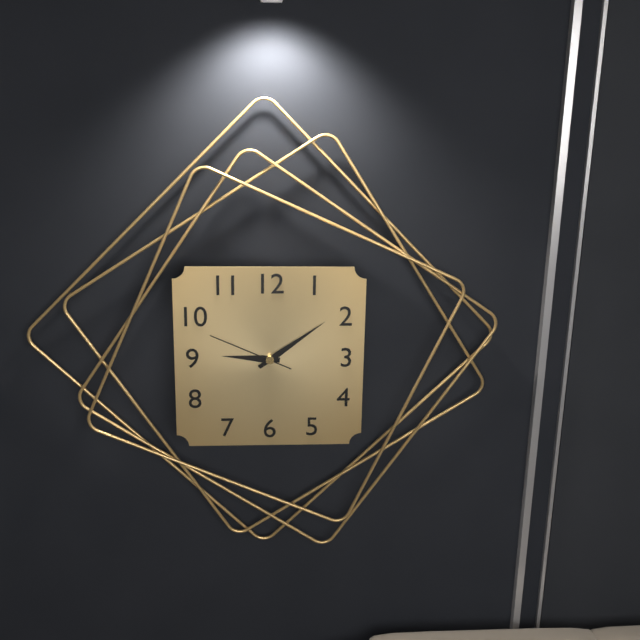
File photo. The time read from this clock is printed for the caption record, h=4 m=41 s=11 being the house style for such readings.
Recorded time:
h=9 m=9 s=49
